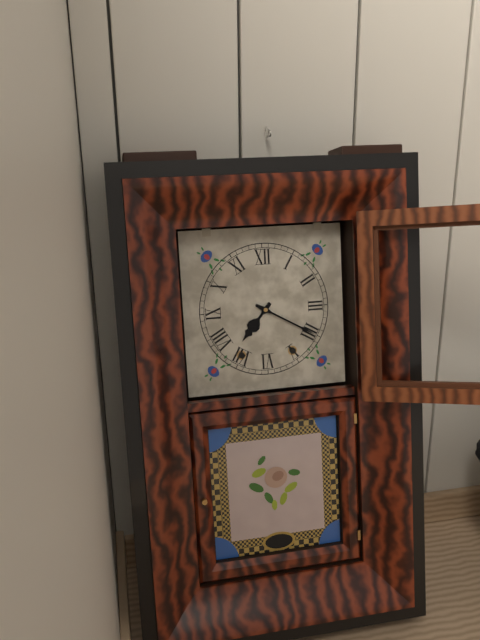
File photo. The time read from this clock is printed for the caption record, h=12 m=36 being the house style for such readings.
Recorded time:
h=7 m=20
